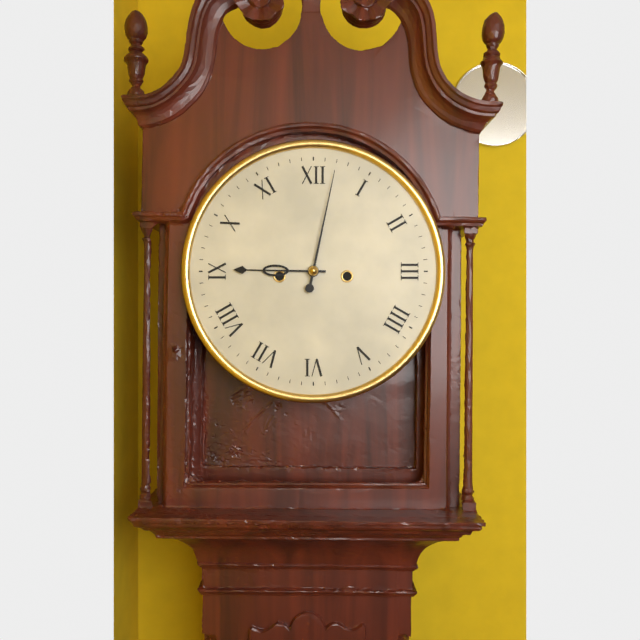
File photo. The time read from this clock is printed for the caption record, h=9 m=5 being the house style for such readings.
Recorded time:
h=9 m=2
